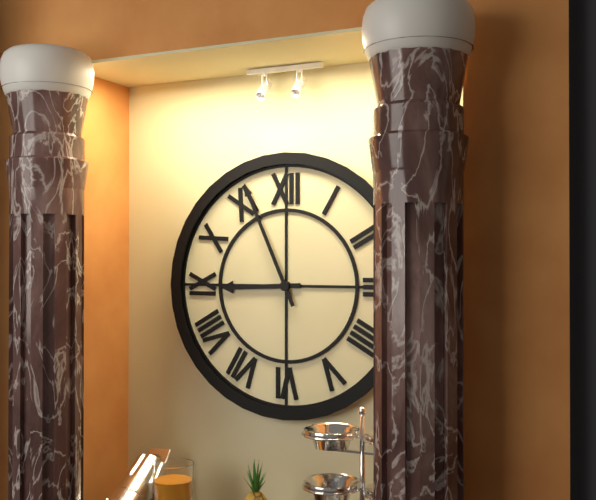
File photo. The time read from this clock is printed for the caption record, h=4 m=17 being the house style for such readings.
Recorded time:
h=8 m=56
